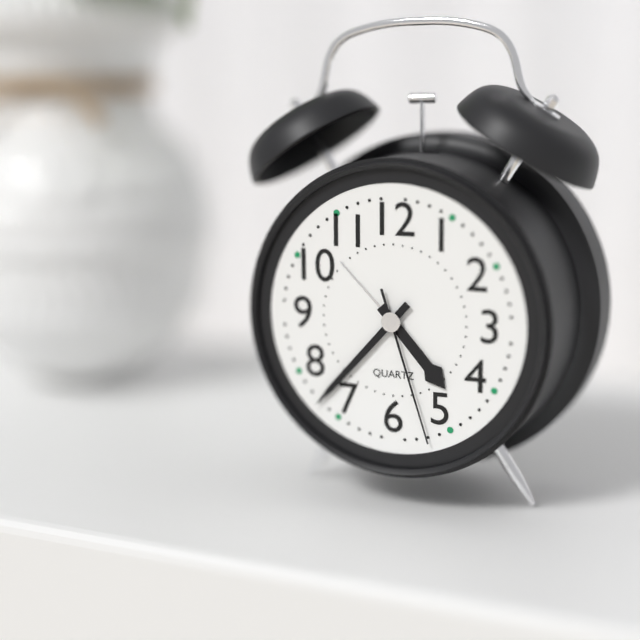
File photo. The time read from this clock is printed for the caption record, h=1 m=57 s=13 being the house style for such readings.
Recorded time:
h=4 m=37 s=27
